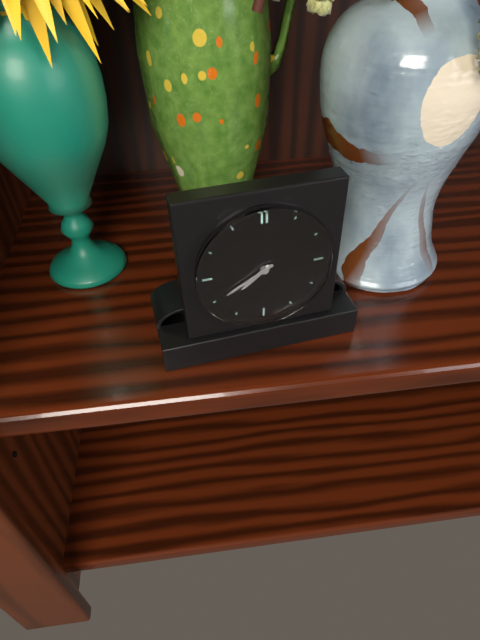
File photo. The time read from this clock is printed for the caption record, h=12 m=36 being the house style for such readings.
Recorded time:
h=7 m=40
